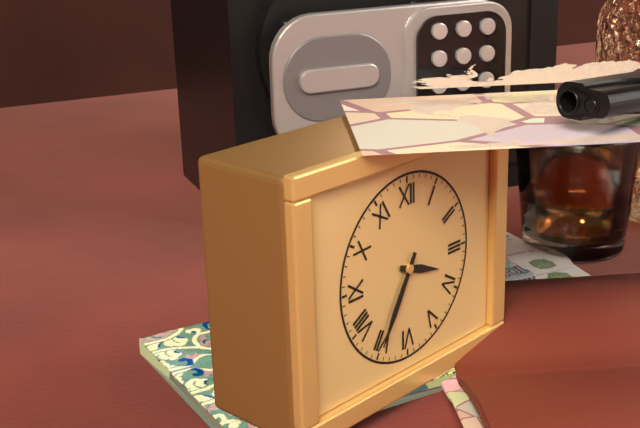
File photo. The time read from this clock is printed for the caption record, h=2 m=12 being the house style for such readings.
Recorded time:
h=3 m=35
